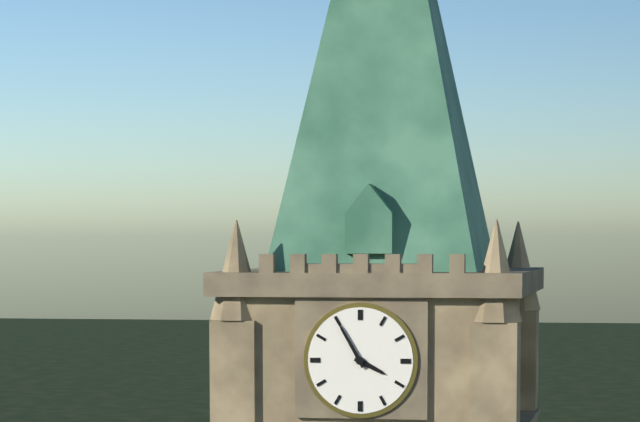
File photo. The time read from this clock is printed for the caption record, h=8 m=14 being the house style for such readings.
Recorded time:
h=3 m=55
